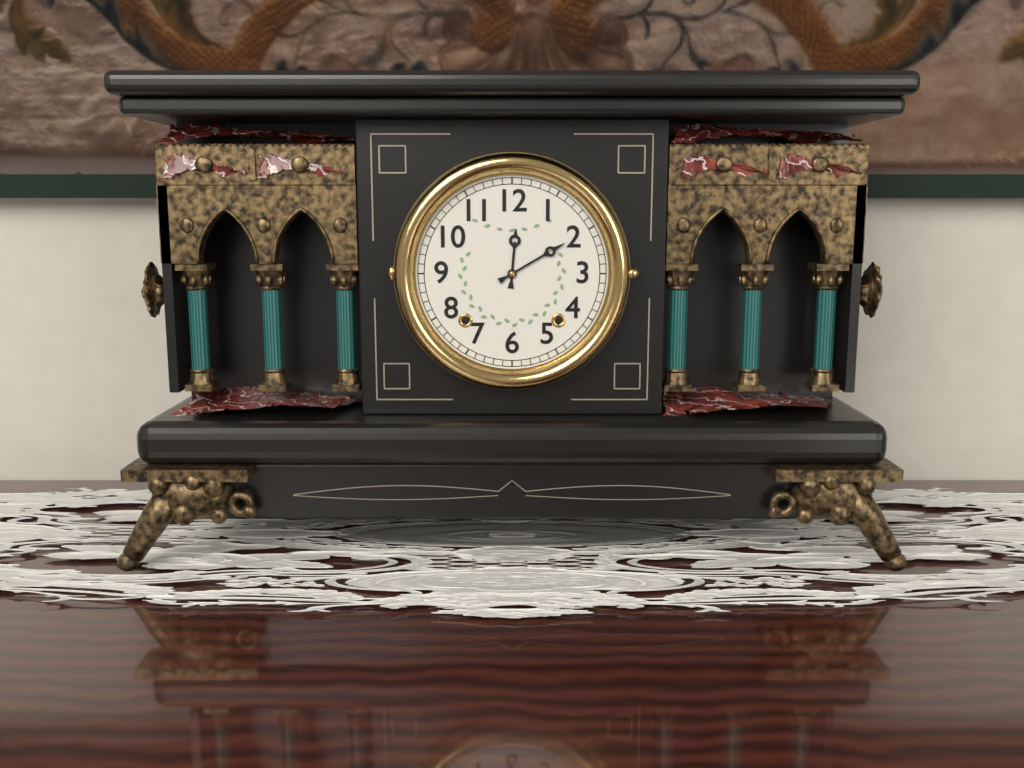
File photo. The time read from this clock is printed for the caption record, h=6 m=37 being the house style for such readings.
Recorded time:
h=12 m=10
